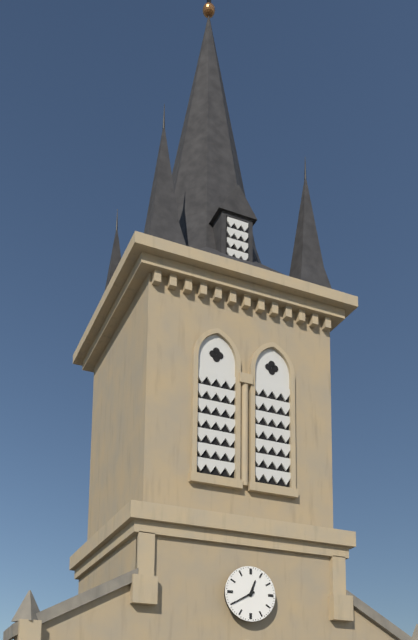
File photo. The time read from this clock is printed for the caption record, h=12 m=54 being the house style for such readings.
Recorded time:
h=12 m=40
